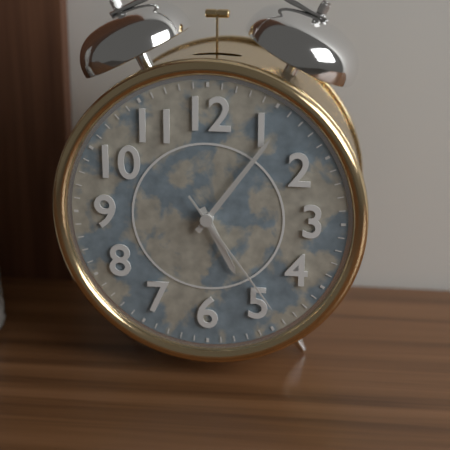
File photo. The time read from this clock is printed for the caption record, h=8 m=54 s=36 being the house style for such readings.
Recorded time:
h=5 m=6 s=24
